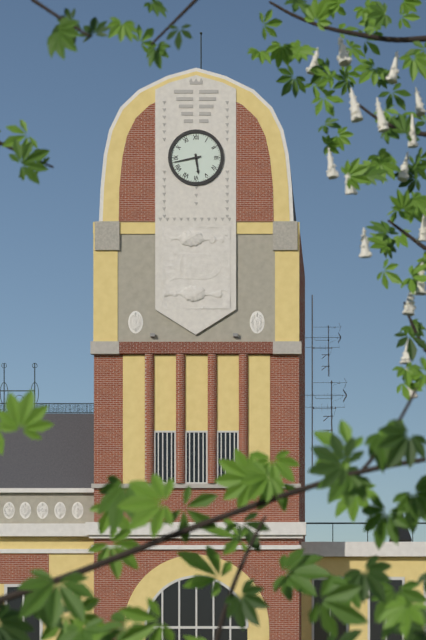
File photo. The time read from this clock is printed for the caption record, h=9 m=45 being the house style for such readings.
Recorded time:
h=5 m=43
